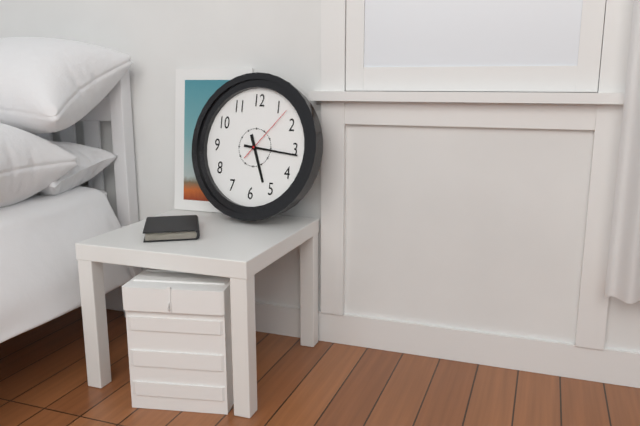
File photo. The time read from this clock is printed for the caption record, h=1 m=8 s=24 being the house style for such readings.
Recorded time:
h=5 m=16 s=7
